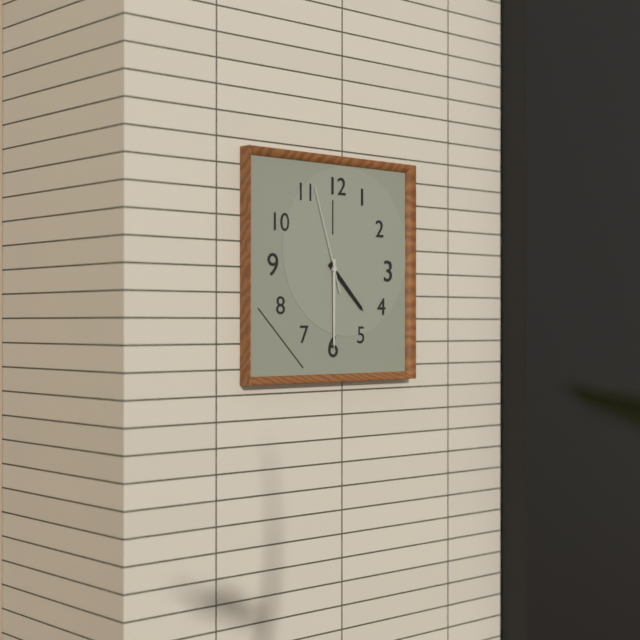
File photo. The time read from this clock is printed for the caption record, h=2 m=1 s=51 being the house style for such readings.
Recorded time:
h=4 m=30 s=57
